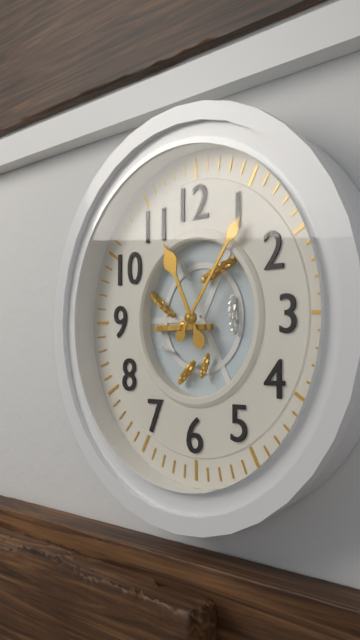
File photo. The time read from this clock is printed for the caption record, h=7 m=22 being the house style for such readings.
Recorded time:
h=11 m=6
